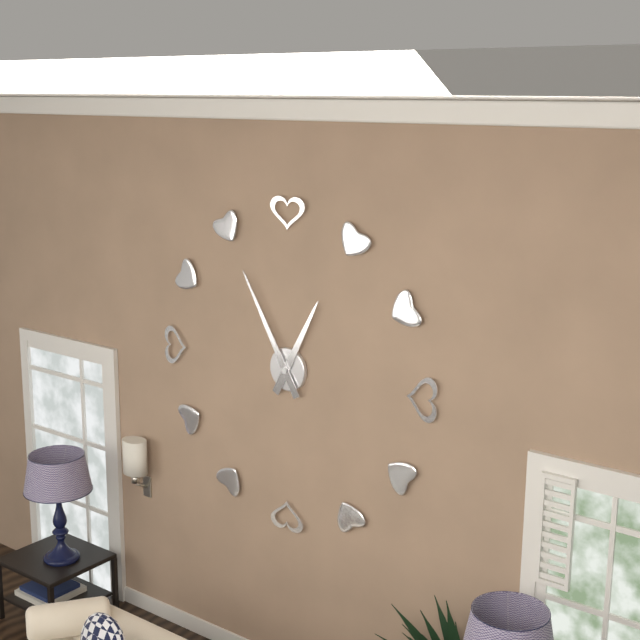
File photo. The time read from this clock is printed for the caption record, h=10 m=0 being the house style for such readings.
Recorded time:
h=12 m=55
